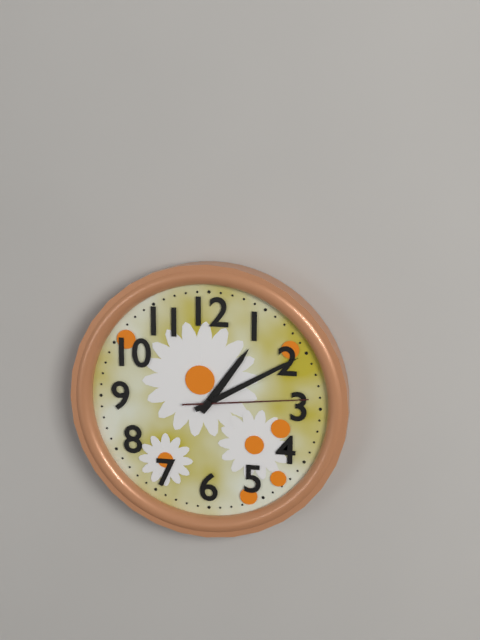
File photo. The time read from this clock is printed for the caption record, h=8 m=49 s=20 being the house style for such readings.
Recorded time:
h=1 m=10 s=14
